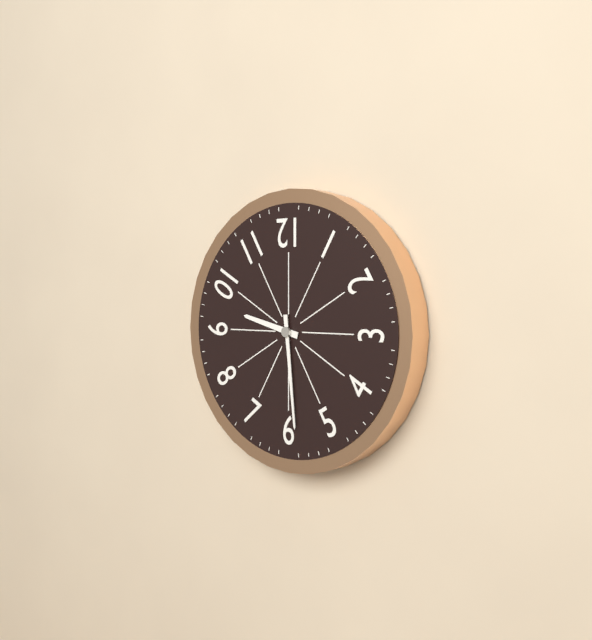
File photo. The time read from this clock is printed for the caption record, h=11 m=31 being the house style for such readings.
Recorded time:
h=9 m=29
